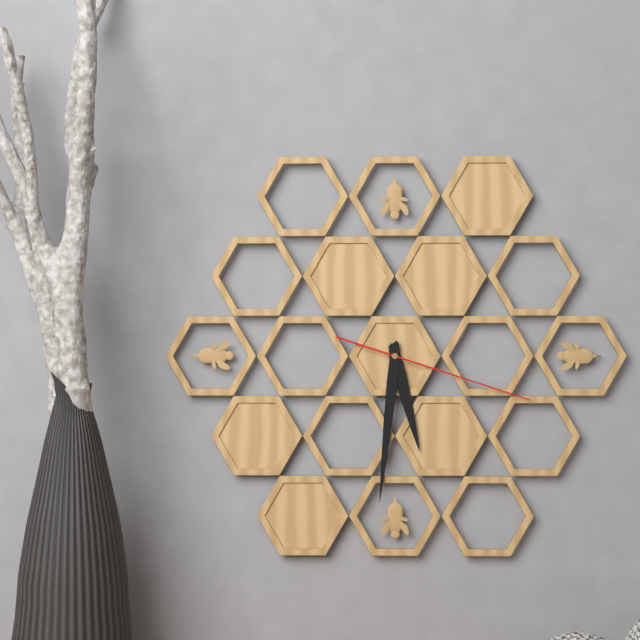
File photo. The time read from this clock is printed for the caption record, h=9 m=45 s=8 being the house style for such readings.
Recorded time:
h=5 m=31 s=18
